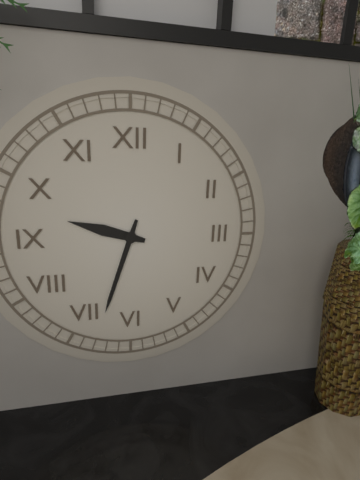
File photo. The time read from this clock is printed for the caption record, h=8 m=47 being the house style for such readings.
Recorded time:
h=9 m=33
